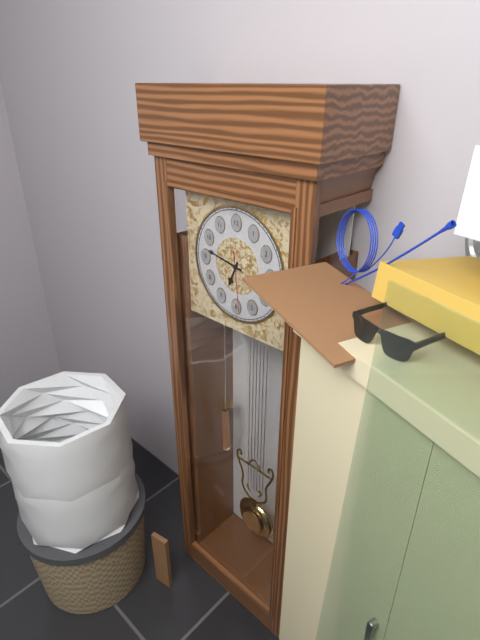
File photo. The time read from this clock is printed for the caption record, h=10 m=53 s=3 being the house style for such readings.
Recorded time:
h=6 m=47 s=29
